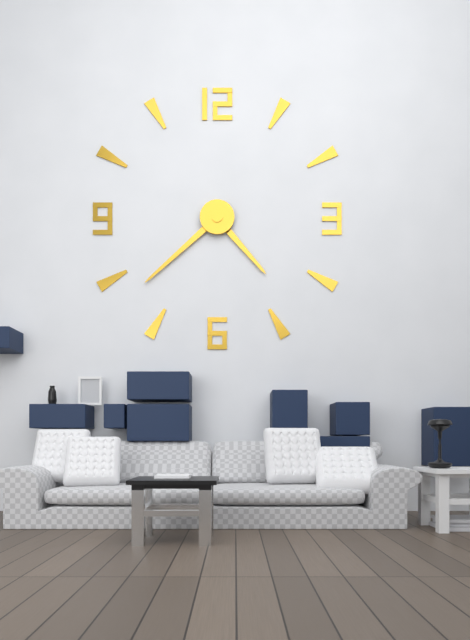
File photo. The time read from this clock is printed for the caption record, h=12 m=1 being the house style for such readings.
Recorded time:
h=4 m=38
